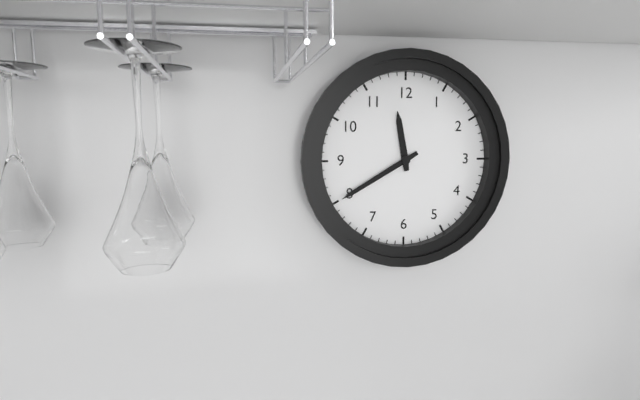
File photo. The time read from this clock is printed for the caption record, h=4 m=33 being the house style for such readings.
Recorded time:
h=11 m=40
